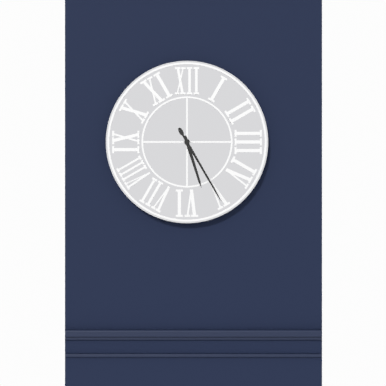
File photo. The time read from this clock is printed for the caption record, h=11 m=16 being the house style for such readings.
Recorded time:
h=5 m=25
